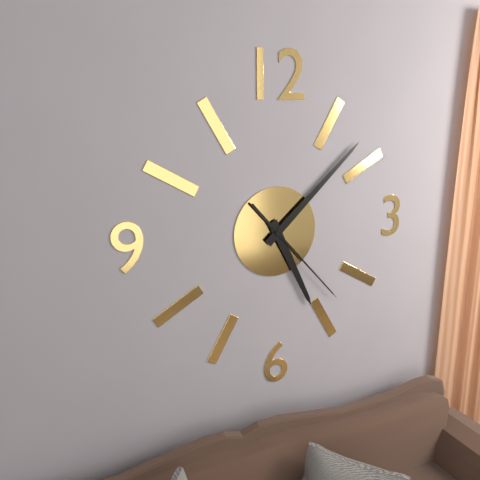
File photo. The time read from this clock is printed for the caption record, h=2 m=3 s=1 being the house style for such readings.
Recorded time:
h=5 m=8 s=23
